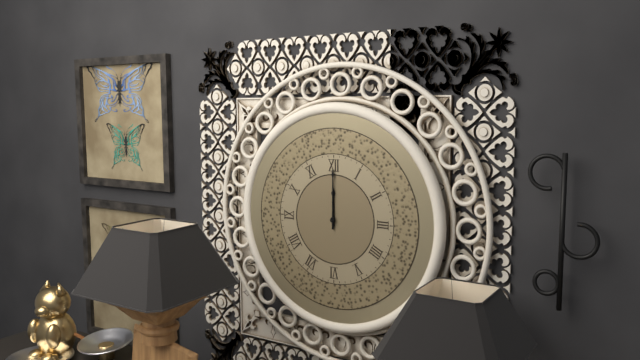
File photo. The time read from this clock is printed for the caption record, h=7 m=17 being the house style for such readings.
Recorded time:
h=12 m=0
